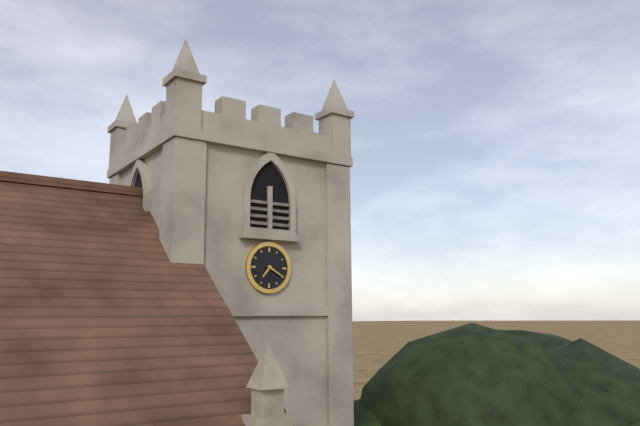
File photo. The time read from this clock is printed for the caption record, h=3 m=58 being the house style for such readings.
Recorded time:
h=7 m=20
